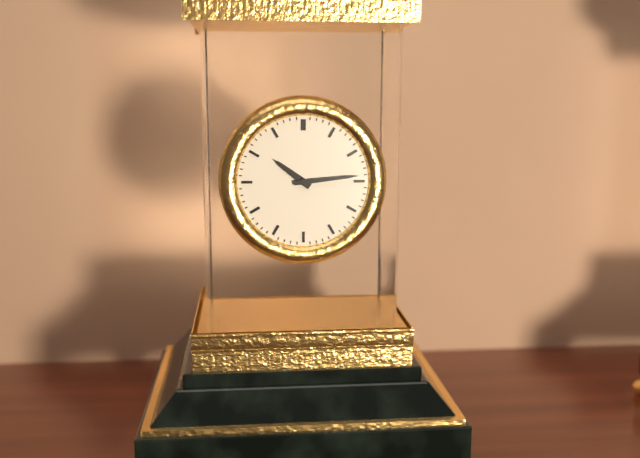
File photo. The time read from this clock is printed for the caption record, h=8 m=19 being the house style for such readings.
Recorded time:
h=10 m=14
